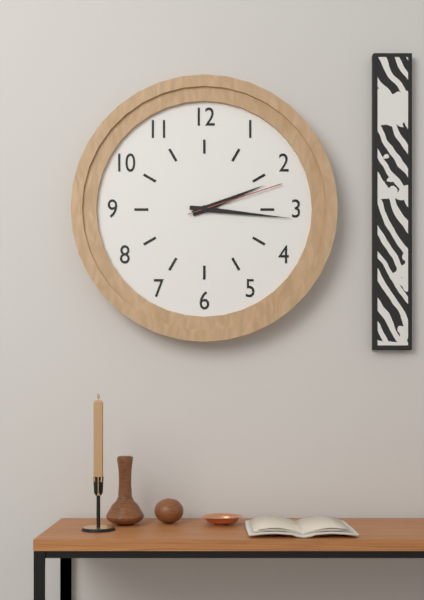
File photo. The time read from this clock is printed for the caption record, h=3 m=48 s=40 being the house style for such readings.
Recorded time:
h=2 m=16 s=12
